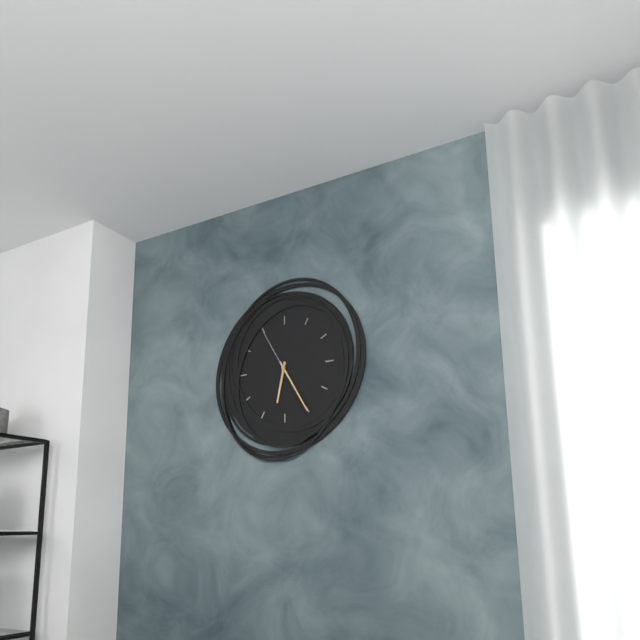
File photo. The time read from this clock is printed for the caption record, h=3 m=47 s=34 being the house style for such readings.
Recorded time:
h=6 m=25 s=55
